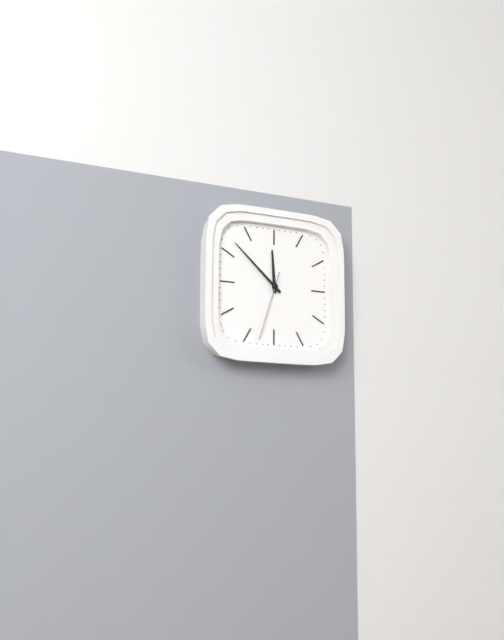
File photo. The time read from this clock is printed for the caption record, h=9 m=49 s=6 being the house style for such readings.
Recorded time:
h=11 m=52 s=33
